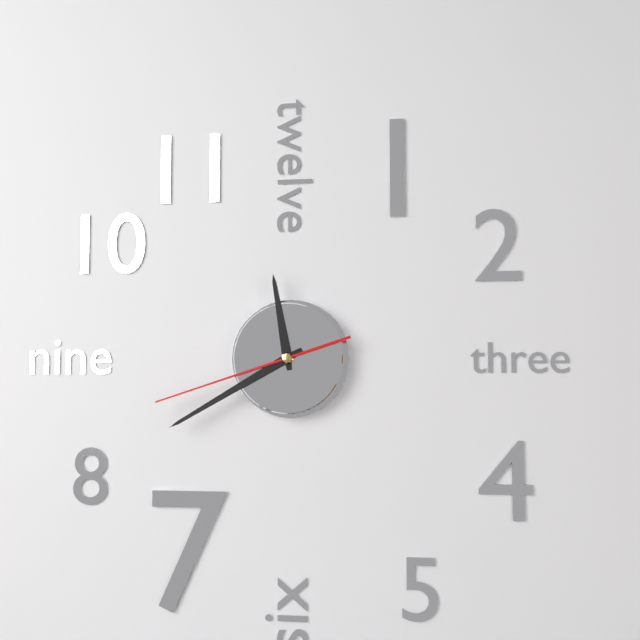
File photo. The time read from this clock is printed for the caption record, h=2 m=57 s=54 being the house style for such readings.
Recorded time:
h=11 m=40 s=42
